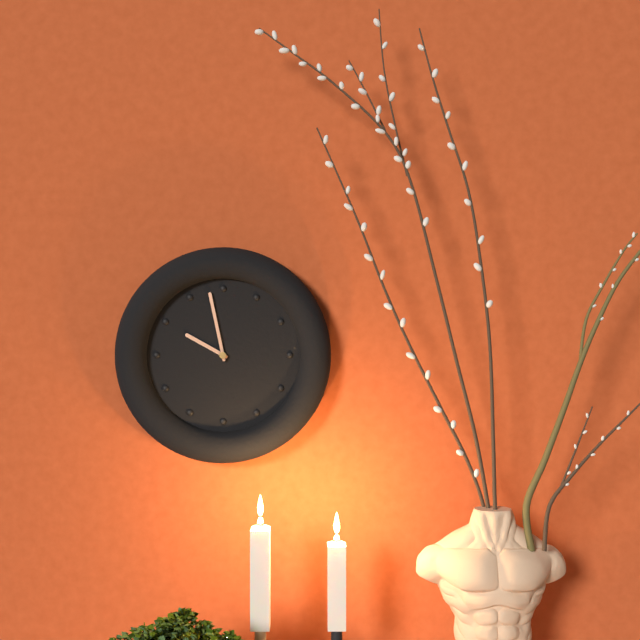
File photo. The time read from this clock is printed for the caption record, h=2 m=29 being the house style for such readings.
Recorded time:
h=9 m=58
